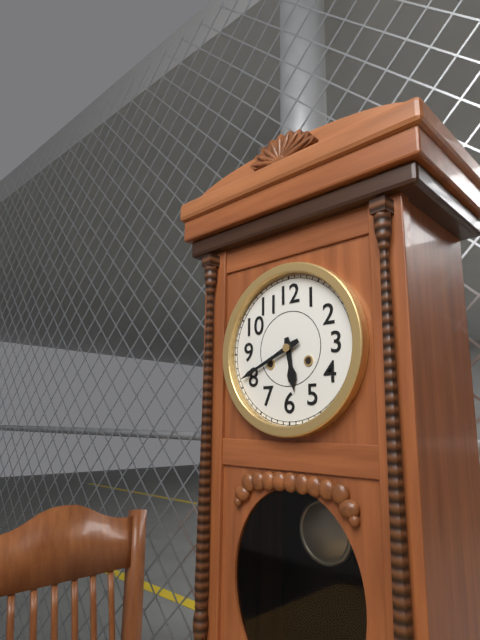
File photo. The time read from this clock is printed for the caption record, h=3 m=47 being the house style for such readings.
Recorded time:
h=5 m=41
